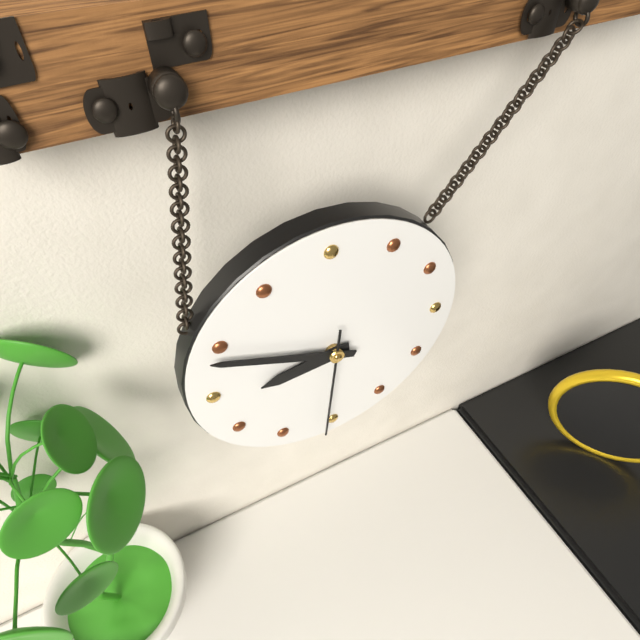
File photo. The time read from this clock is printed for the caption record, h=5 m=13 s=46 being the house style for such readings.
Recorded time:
h=8 m=49 s=31
